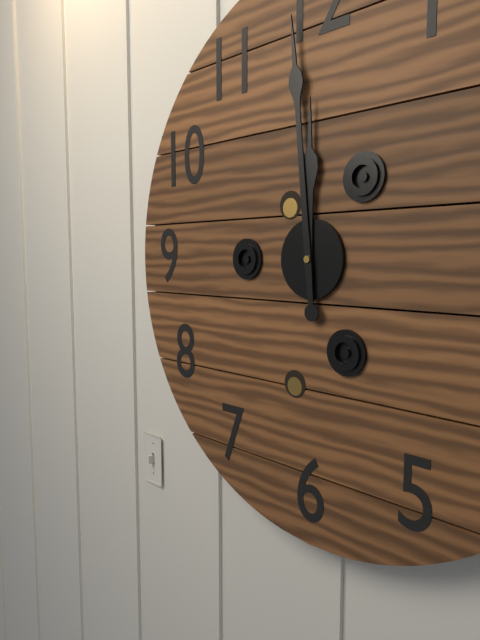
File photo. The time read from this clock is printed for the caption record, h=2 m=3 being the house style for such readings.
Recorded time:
h=11 m=59
